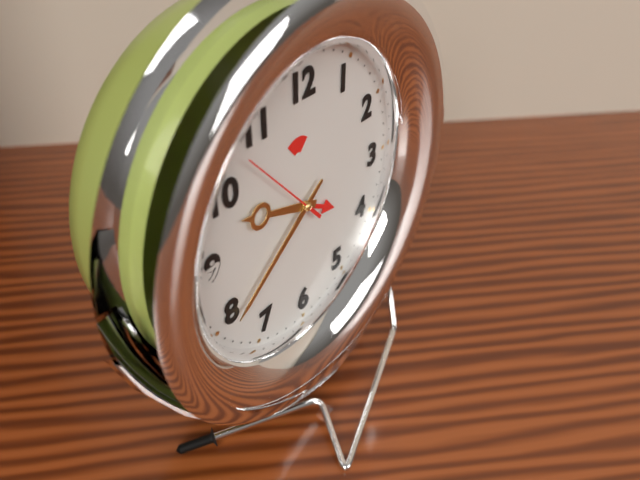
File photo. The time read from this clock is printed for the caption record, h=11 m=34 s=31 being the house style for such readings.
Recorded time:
h=9 m=39 s=53
